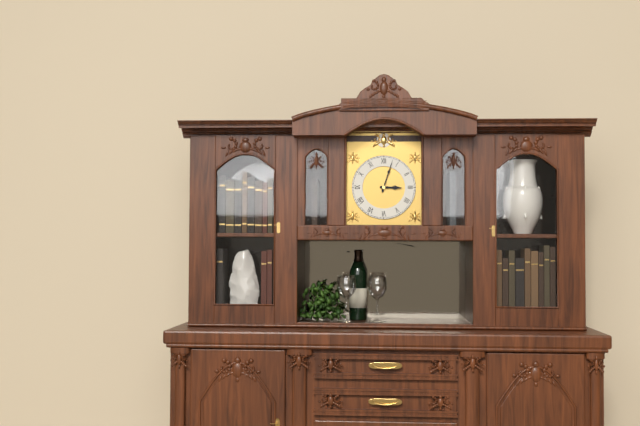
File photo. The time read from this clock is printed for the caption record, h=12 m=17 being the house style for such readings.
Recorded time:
h=3 m=3
